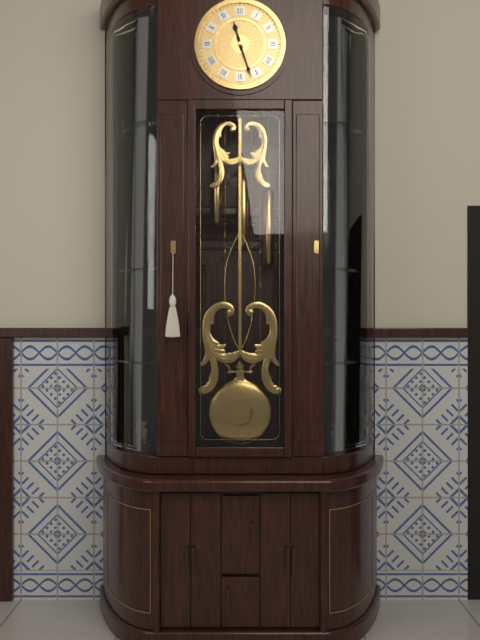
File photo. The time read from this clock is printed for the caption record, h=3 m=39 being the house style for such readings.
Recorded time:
h=11 m=27
